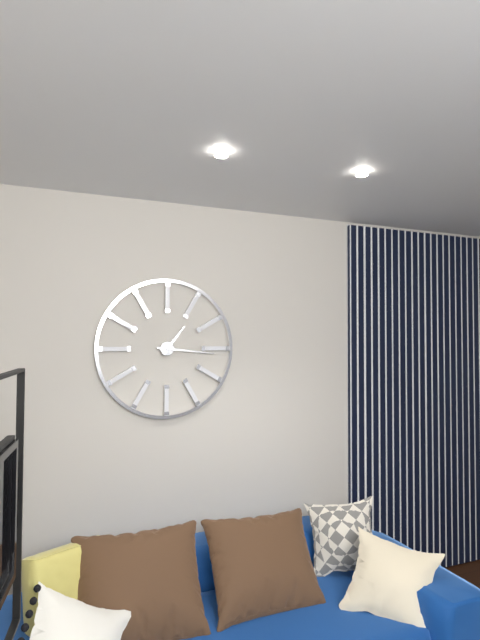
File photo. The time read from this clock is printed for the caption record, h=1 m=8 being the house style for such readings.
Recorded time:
h=1 m=16
